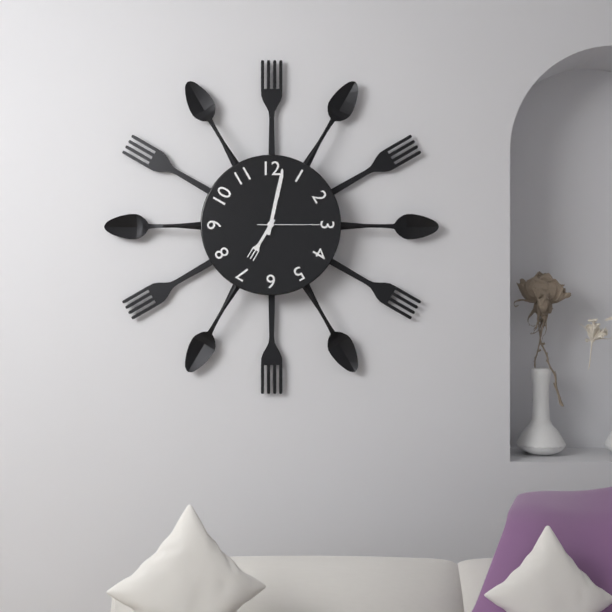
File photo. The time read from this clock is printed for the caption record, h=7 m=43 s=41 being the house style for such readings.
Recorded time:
h=7 m=2 s=15
